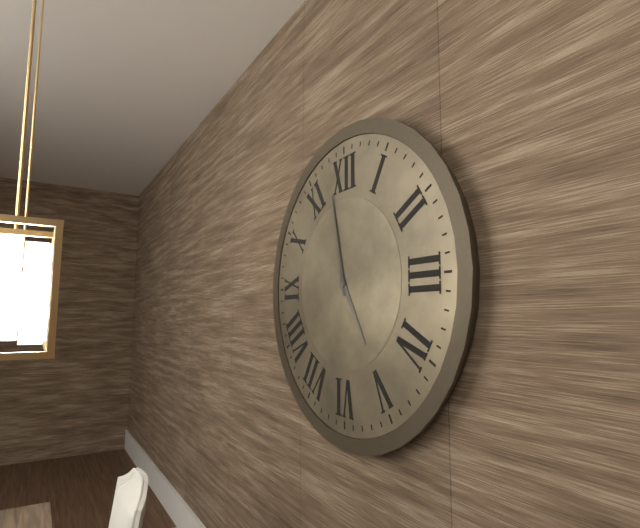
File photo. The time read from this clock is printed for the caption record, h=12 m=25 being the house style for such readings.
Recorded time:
h=4 m=58
